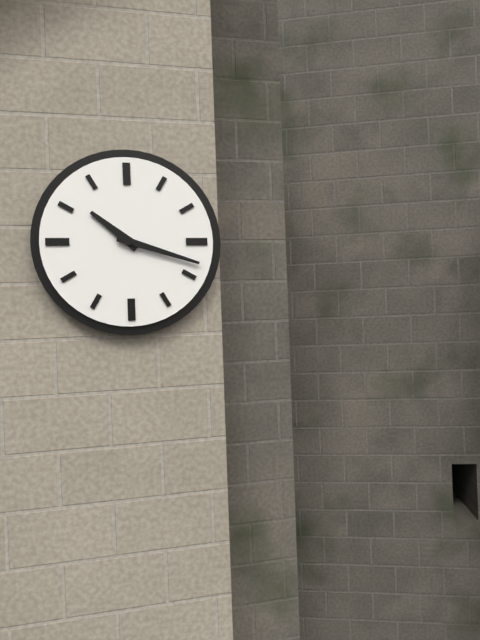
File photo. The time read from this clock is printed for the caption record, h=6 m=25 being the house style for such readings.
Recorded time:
h=10 m=18
